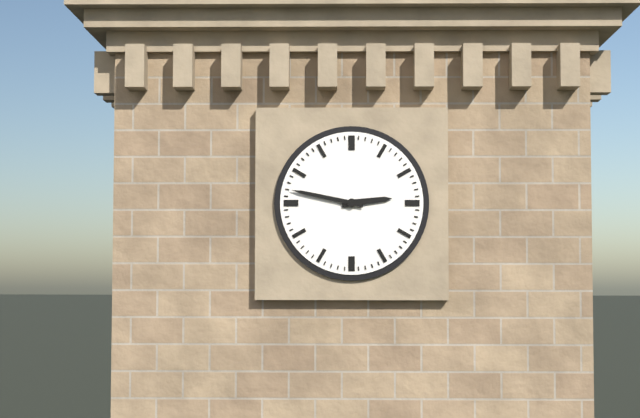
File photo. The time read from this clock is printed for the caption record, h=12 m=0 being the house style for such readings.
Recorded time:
h=2 m=47
